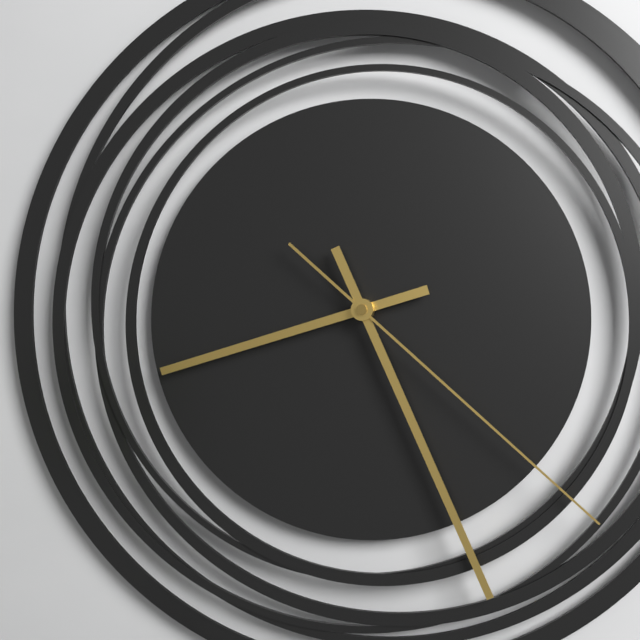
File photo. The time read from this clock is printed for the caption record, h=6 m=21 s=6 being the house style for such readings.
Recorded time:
h=8 m=26 s=22
